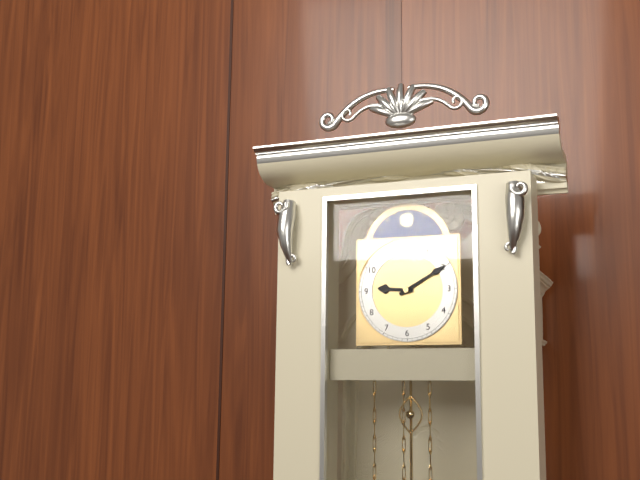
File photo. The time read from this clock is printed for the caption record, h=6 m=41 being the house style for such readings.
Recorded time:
h=9 m=10
